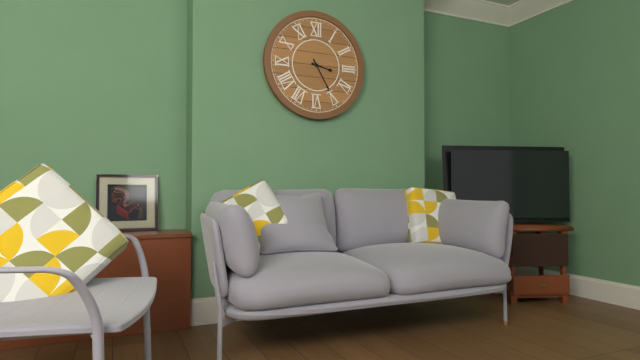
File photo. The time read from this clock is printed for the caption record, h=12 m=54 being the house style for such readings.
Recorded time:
h=3 m=25
